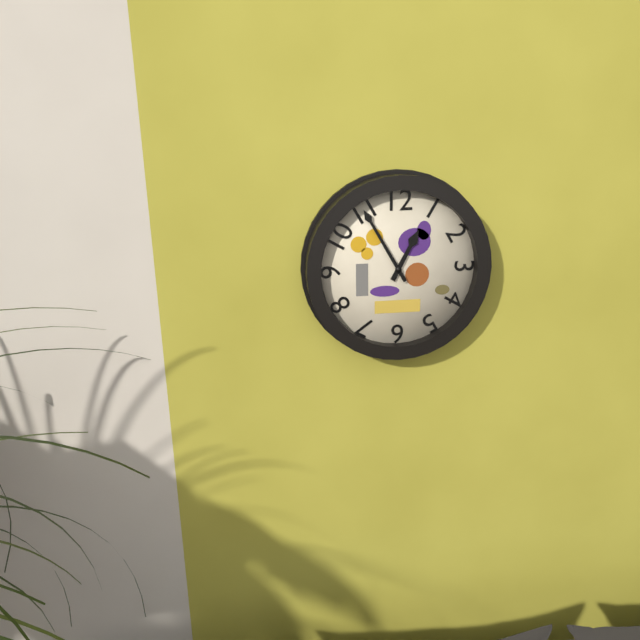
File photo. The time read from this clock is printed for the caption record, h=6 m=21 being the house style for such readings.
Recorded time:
h=12 m=55
